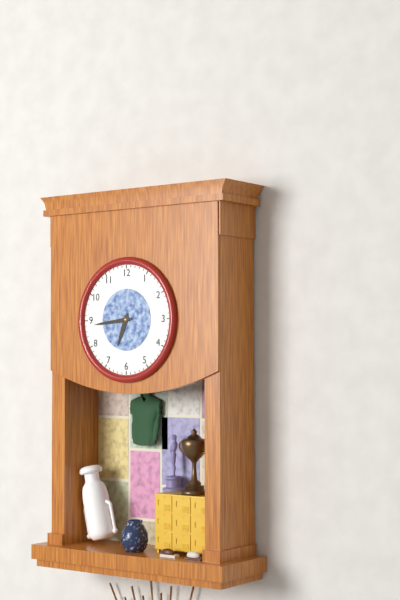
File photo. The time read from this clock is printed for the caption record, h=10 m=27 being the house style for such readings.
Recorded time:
h=6 m=44
